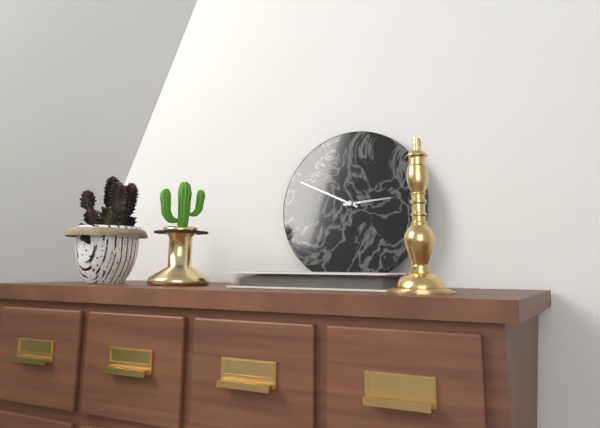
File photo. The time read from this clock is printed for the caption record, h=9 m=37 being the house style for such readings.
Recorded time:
h=2 m=49
